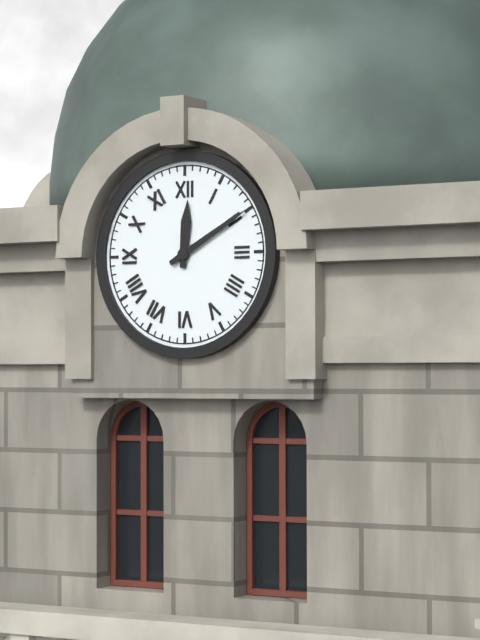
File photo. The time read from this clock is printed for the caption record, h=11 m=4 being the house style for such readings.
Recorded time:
h=12 m=10
